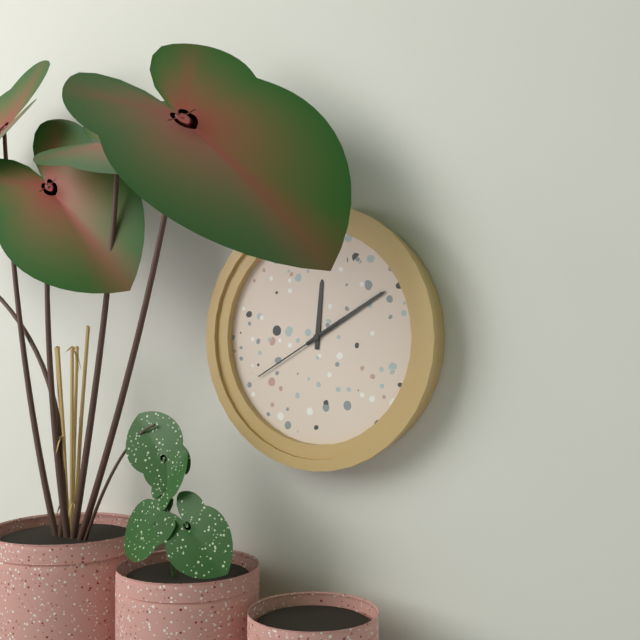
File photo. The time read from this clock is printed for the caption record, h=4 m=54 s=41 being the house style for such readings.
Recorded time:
h=12 m=10 s=40
